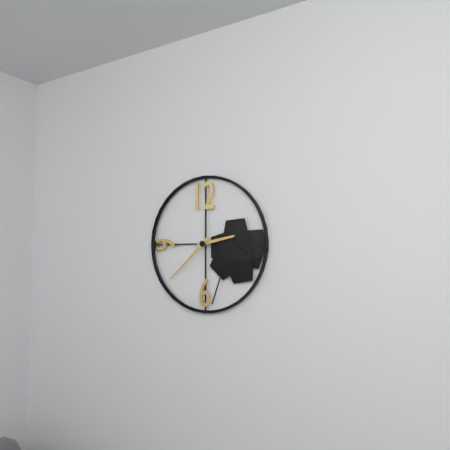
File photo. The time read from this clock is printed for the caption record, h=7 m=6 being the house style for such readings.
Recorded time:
h=2 m=38
